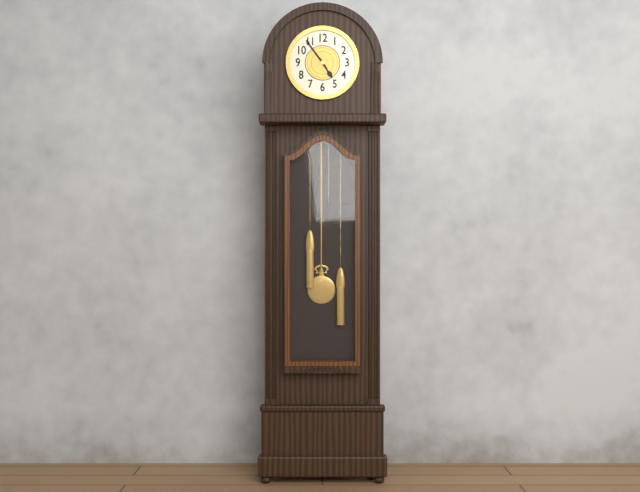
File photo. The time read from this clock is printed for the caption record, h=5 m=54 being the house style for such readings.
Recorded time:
h=4 m=54
